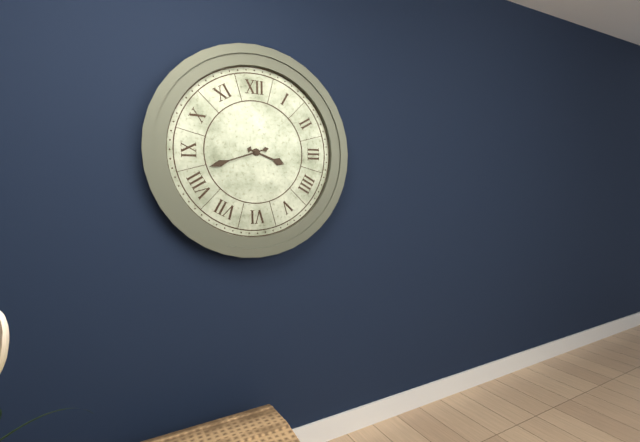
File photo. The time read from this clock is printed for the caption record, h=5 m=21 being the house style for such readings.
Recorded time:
h=3 m=42
